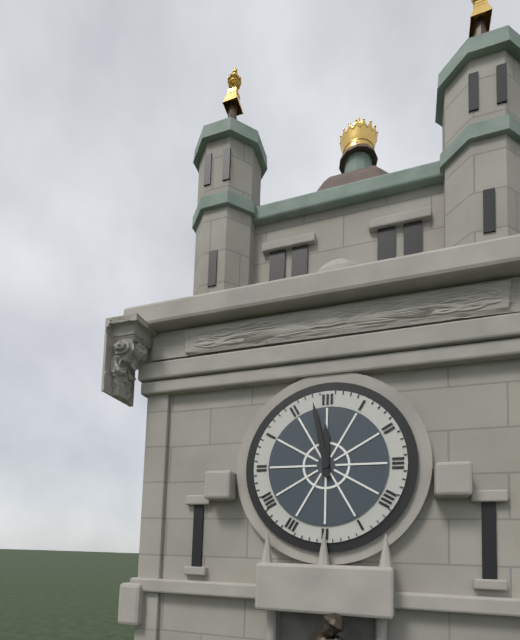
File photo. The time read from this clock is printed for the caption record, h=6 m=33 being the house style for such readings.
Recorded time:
h=11 m=58
